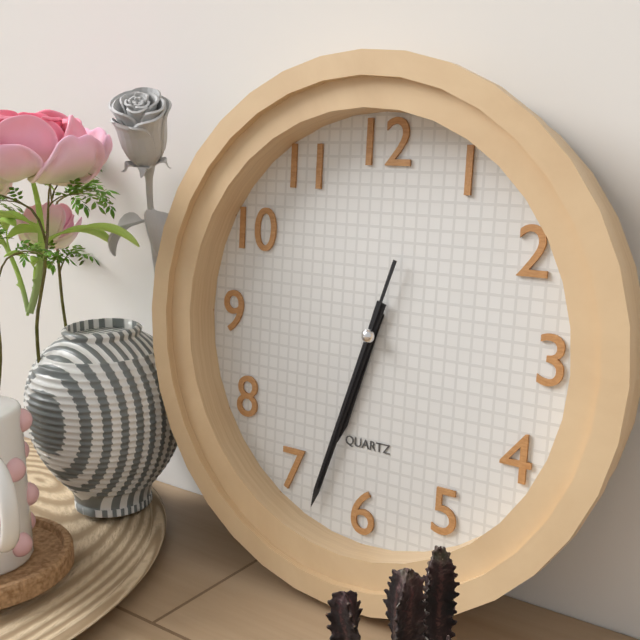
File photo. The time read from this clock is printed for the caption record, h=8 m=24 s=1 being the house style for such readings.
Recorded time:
h=6 m=33 s=33
